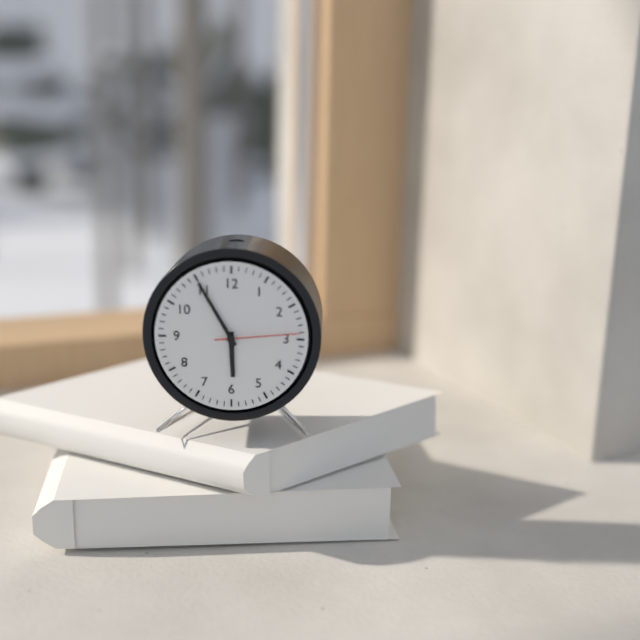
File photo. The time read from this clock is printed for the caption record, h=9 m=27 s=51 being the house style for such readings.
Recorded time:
h=5 m=55 s=14
